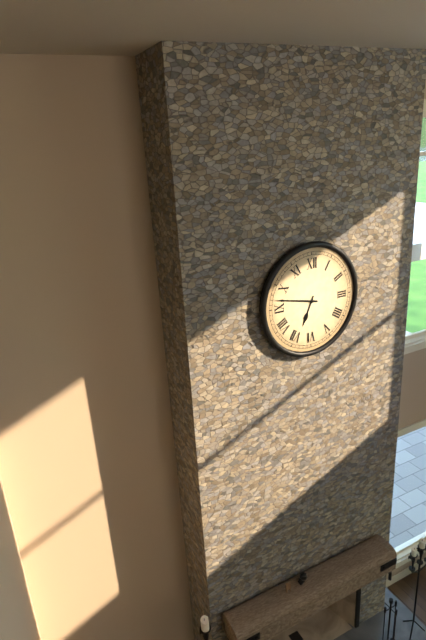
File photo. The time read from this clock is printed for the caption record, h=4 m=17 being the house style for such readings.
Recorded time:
h=6 m=47
